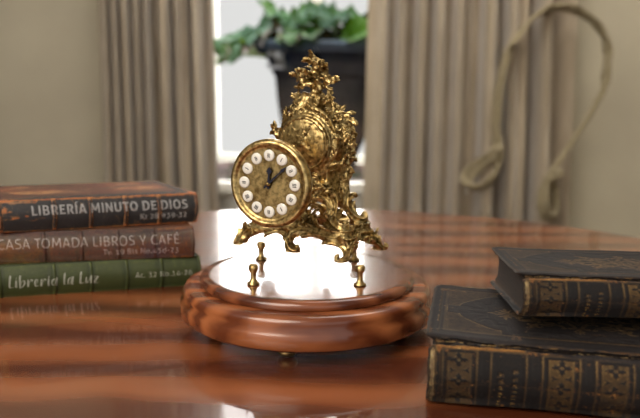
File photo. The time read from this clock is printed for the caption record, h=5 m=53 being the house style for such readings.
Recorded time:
h=12 m=8
